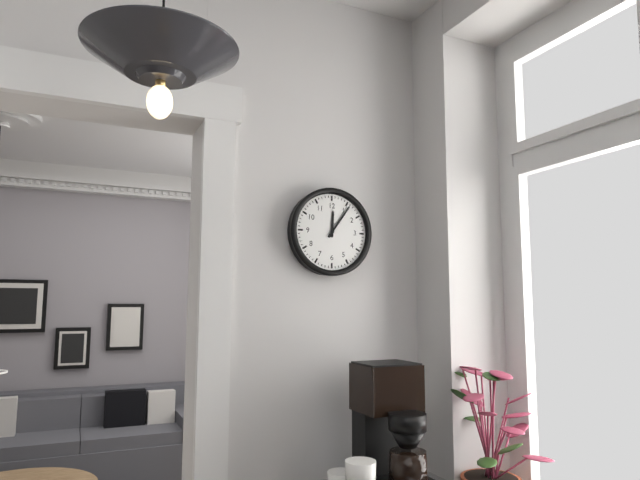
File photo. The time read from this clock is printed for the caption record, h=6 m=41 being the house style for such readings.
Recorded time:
h=12 m=6
